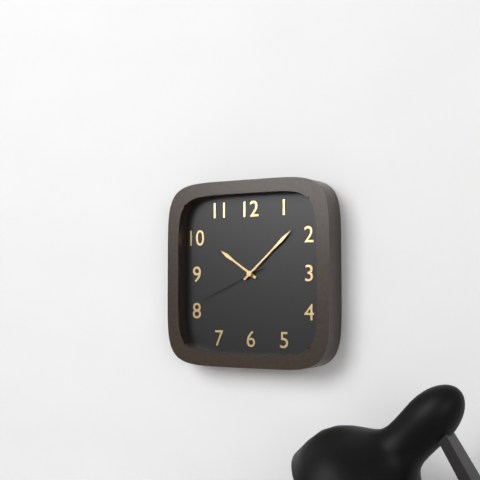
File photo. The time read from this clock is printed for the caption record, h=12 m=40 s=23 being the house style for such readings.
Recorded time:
h=10 m=8 s=41
